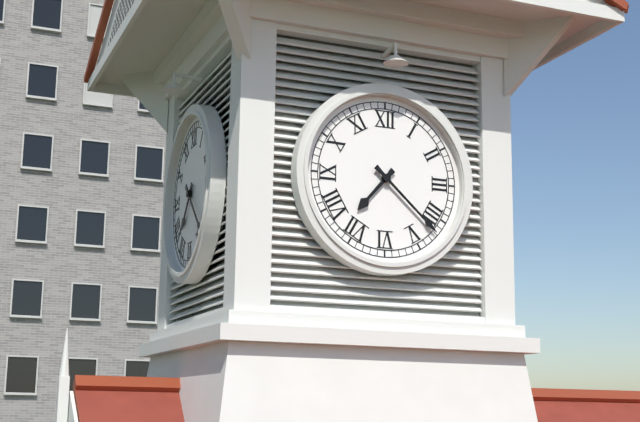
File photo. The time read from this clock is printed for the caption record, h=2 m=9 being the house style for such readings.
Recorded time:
h=7 m=22
